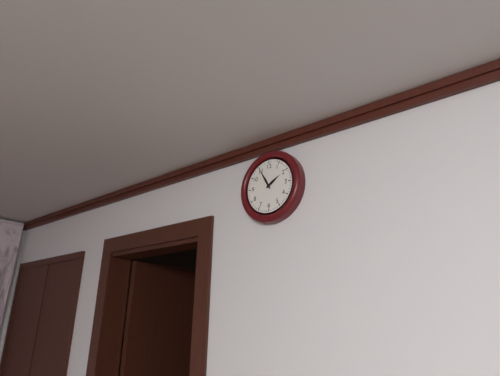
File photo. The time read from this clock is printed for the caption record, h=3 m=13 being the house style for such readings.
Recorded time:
h=1 m=55
